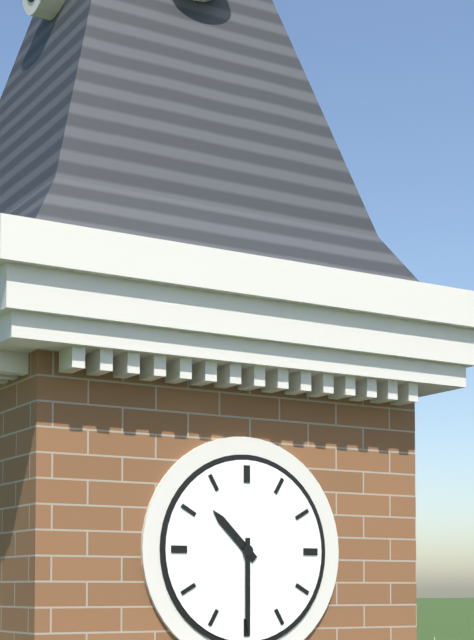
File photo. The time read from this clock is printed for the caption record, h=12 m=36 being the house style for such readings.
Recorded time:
h=10 m=30
